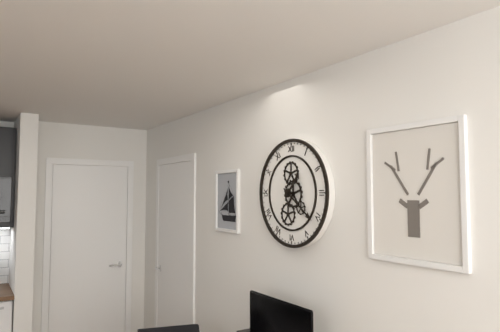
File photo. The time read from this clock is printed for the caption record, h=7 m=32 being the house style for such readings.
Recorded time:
h=1 m=21
